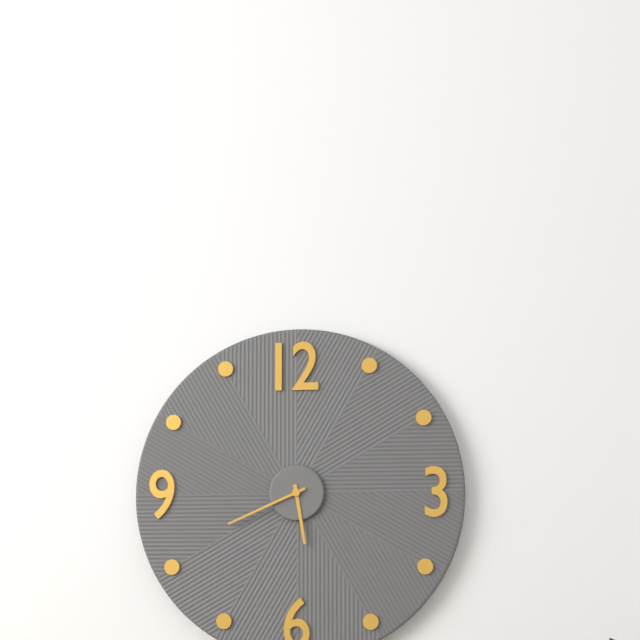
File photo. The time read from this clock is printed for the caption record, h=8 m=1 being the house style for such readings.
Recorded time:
h=5 m=41
